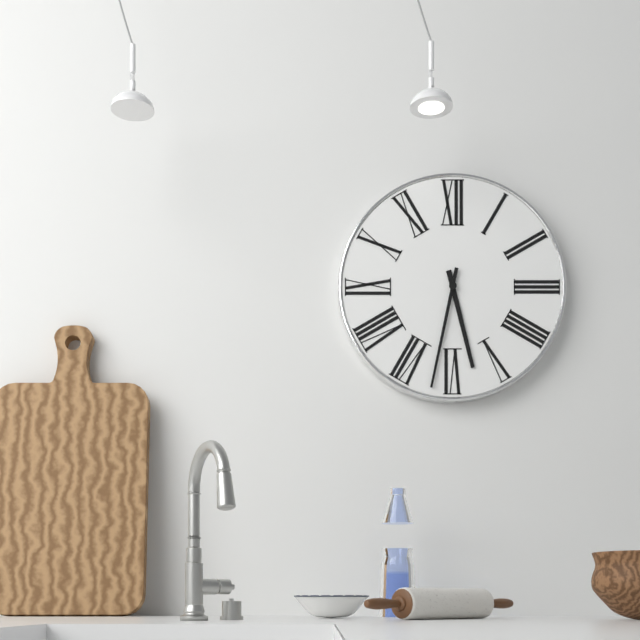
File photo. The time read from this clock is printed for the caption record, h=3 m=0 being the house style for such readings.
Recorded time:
h=5 m=32
